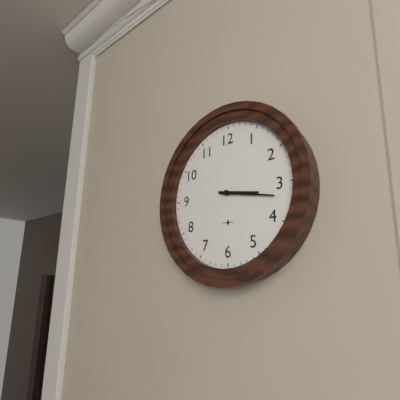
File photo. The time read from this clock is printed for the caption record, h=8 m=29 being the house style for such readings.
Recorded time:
h=3 m=17
